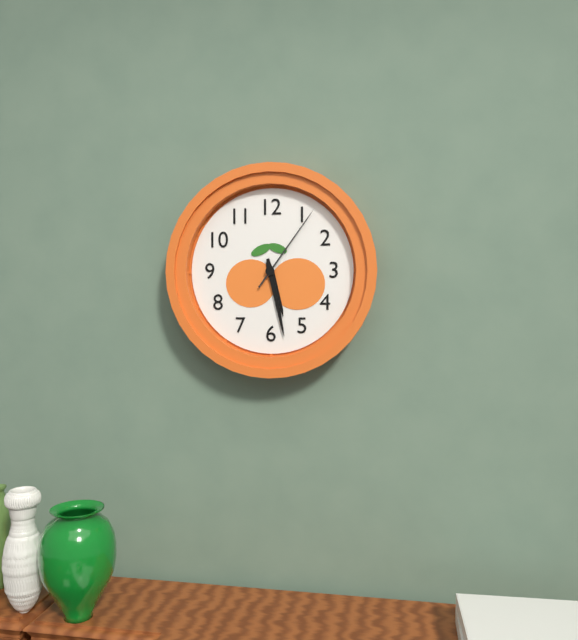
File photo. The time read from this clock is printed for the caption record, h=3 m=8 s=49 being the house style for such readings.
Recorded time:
h=5 m=28 s=6
